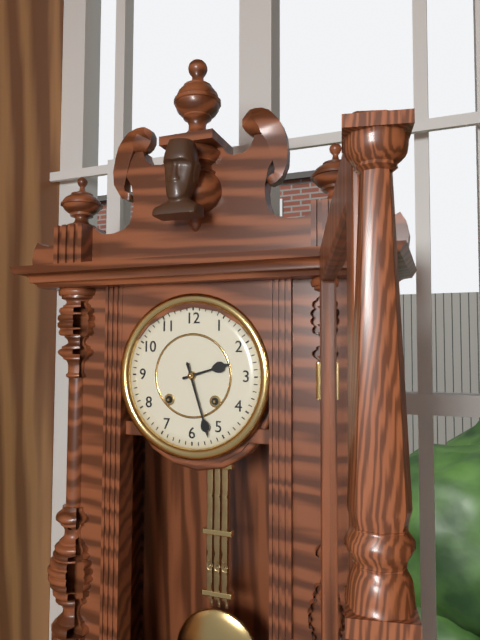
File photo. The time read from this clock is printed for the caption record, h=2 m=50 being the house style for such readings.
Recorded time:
h=2 m=27
